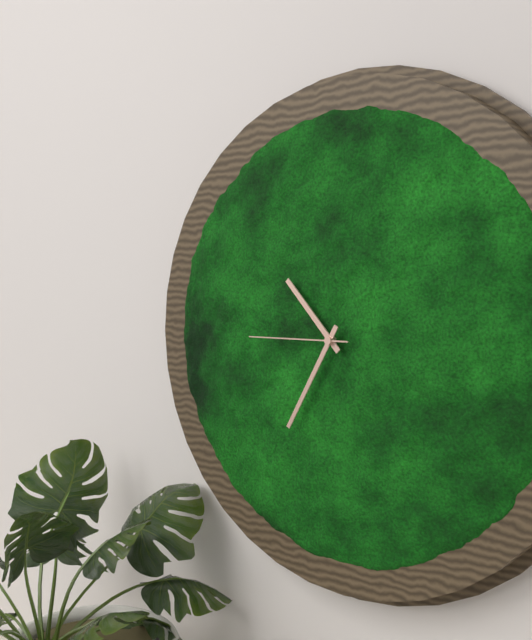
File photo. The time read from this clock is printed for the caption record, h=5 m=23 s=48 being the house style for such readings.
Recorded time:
h=10 m=35 s=45
